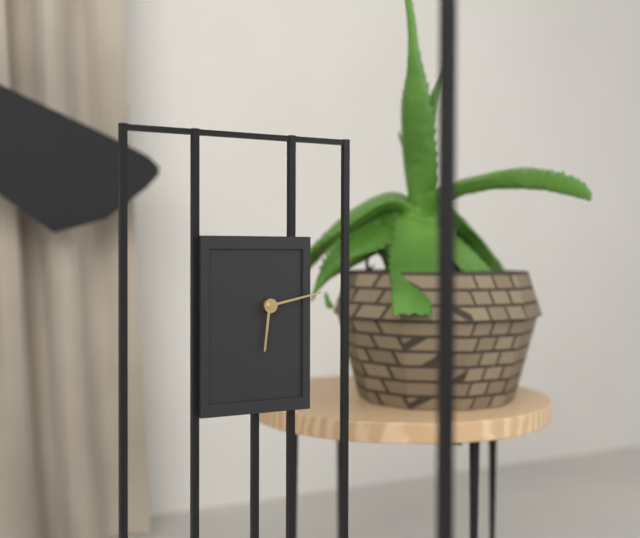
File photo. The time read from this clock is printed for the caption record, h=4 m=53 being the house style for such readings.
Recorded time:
h=6 m=13
